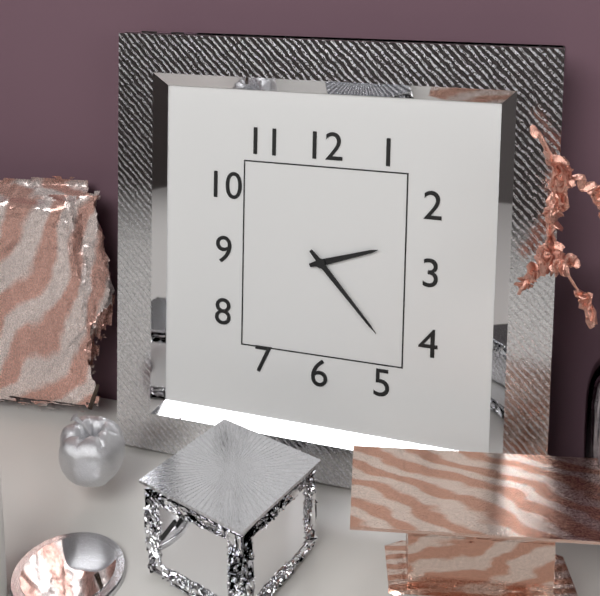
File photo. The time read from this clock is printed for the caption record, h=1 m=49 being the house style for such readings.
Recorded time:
h=2 m=23
